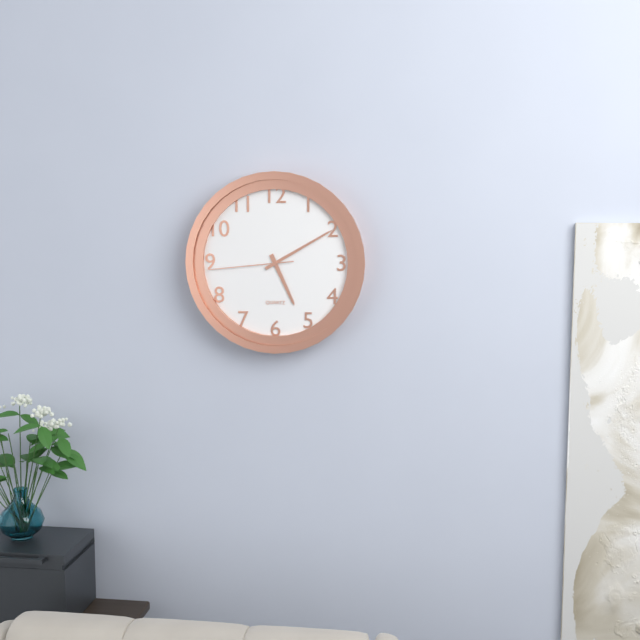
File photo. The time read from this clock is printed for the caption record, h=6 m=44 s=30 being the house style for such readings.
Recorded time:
h=5 m=10 s=44
